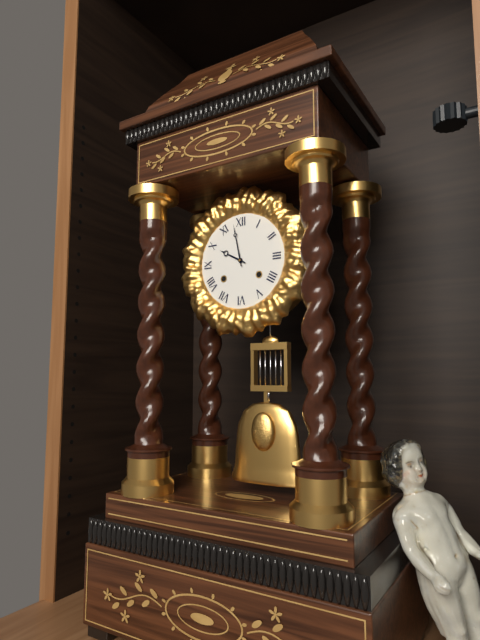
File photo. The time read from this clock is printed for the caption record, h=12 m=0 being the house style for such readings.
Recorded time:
h=9 m=58
